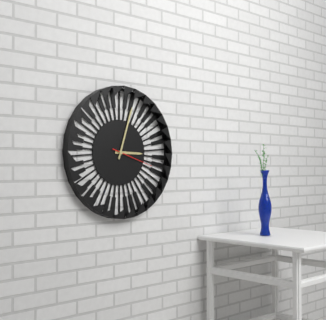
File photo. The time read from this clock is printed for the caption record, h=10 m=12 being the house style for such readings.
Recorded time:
h=3 m=3
